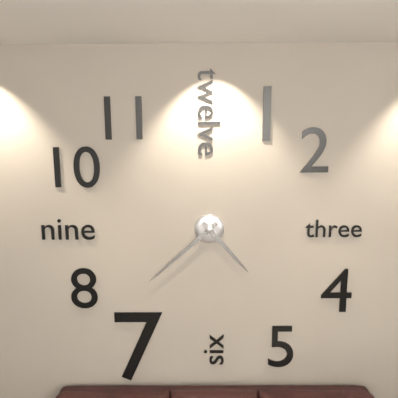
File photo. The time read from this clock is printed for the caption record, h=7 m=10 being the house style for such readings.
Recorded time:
h=4 m=38
